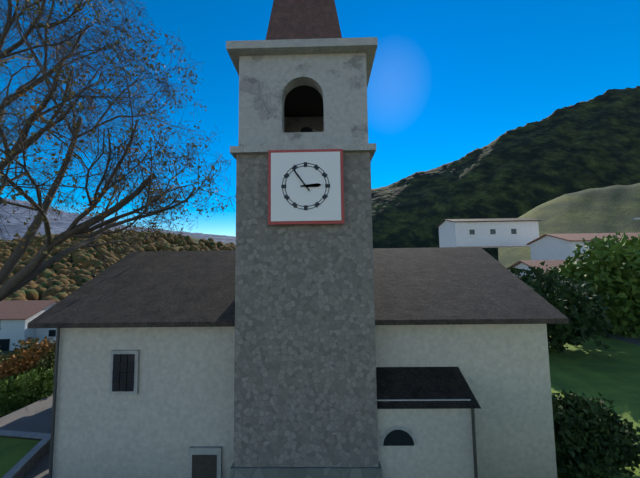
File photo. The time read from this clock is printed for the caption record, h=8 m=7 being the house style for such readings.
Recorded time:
h=2 m=54
